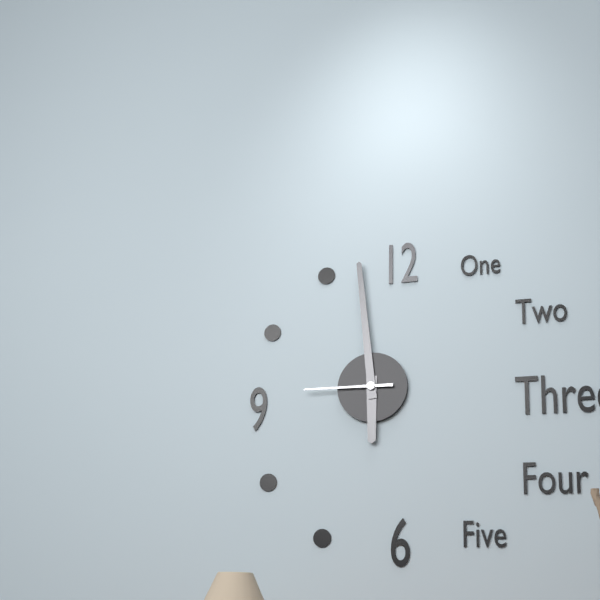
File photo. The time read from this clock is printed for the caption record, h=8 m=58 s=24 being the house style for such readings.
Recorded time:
h=5 m=59 s=45
